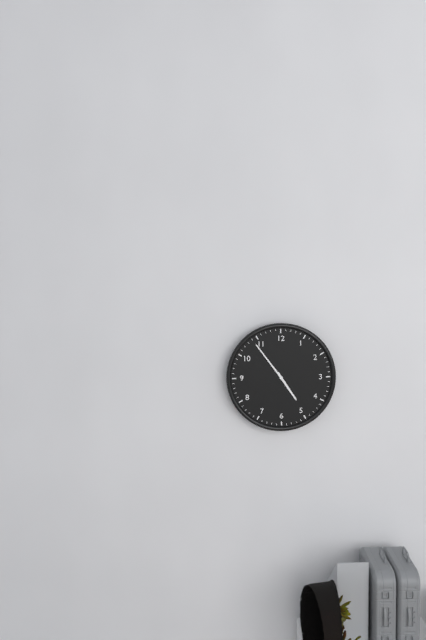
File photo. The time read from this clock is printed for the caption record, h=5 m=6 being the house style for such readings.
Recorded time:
h=4 m=54
